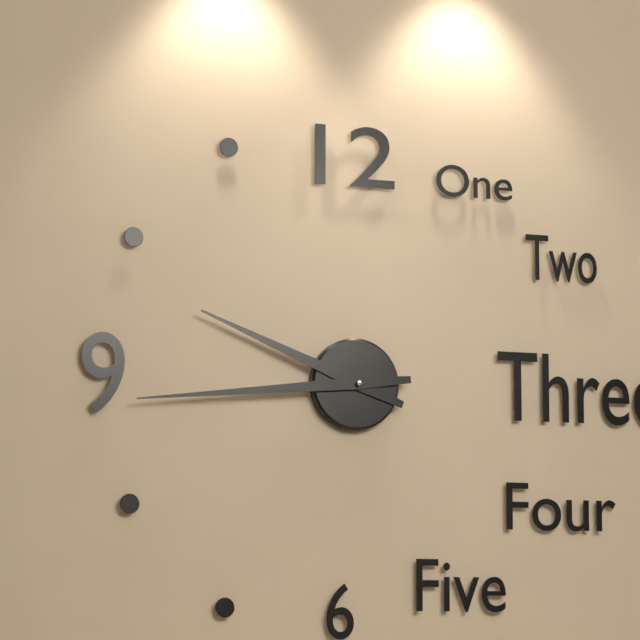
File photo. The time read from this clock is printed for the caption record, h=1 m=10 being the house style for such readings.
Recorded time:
h=9 m=44
